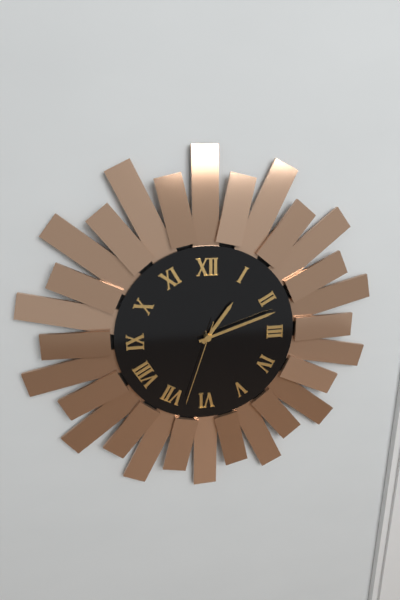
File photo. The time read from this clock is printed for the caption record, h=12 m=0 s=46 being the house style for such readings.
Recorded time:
h=1 m=12 s=33
